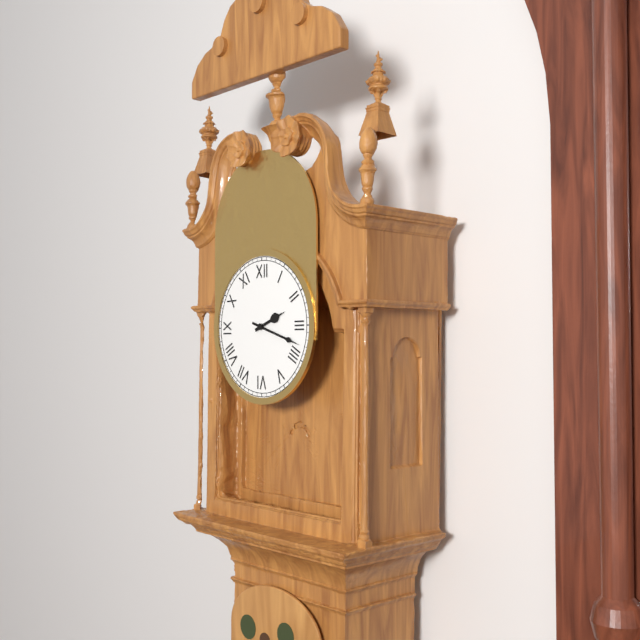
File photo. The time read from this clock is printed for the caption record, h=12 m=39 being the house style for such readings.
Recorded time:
h=2 m=18
